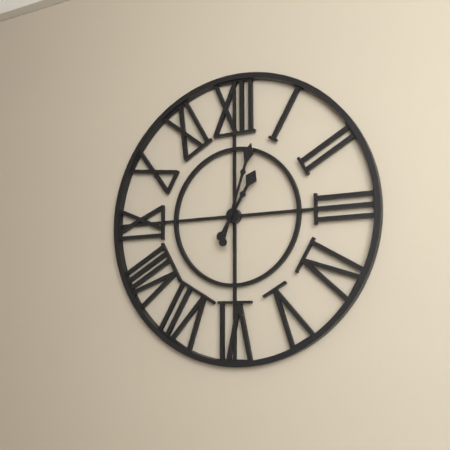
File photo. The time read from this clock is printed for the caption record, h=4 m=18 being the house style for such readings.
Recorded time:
h=1 m=3
